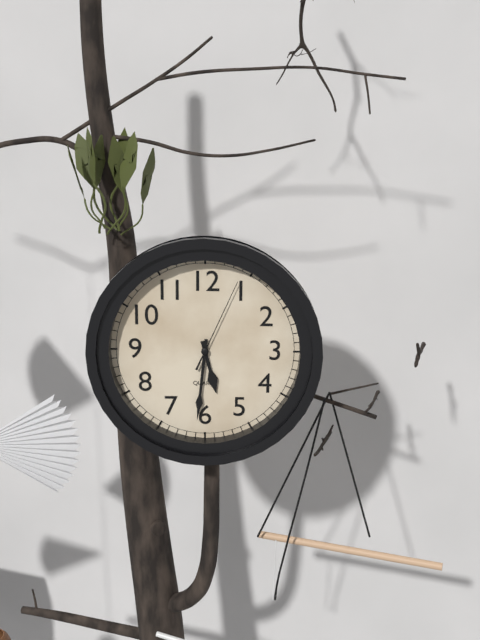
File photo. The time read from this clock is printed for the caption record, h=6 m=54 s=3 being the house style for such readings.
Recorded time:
h=5 m=31 s=4
